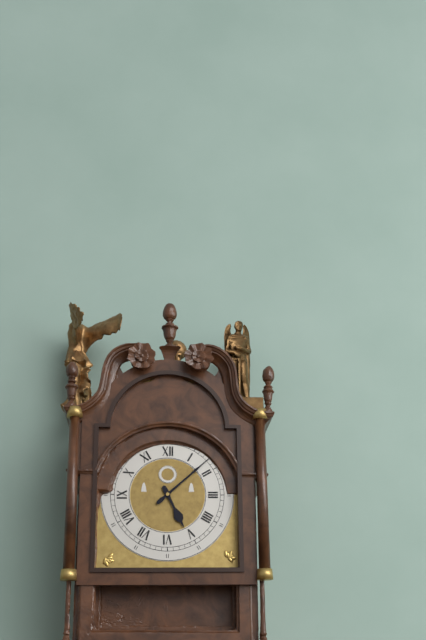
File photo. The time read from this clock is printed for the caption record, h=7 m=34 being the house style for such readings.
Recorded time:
h=5 m=8
